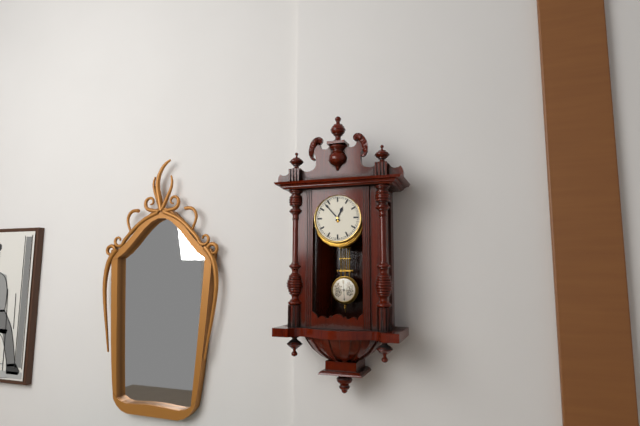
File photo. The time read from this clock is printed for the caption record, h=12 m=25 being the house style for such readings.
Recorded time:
h=12 m=53
